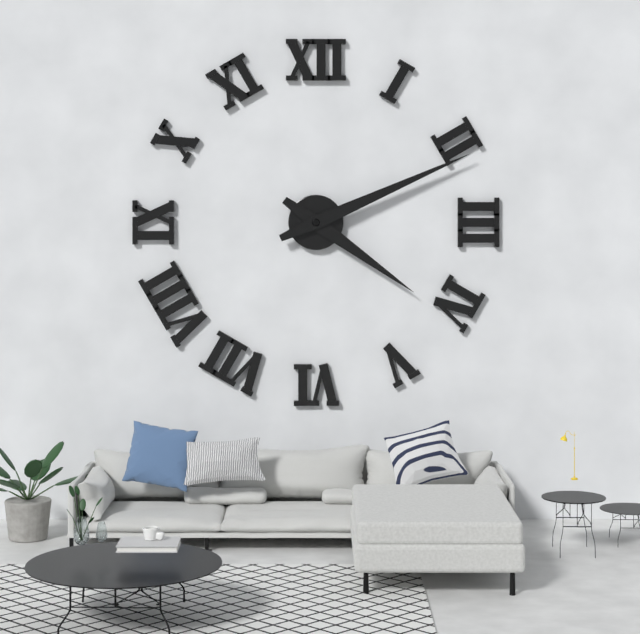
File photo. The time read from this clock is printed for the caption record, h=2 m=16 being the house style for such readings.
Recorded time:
h=4 m=11
